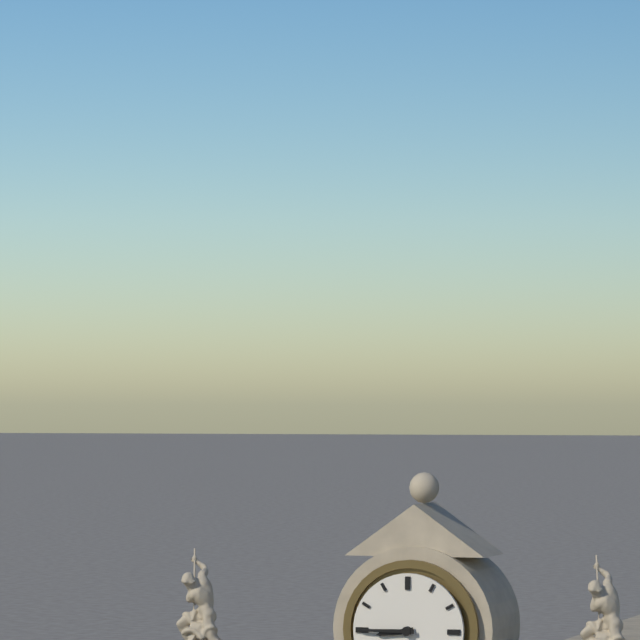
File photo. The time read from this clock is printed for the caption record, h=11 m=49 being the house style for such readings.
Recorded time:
h=8 m=45
